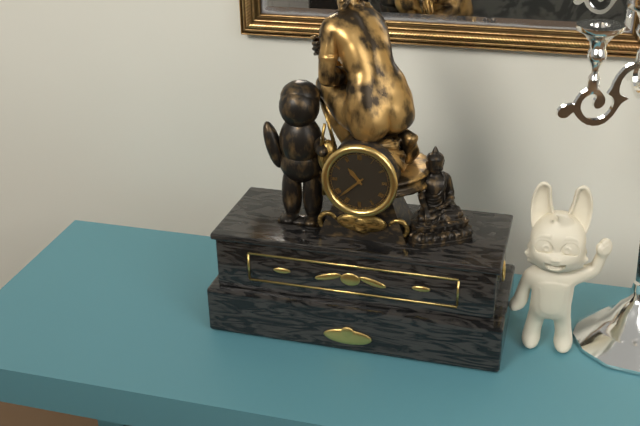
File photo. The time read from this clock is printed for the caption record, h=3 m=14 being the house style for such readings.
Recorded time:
h=10 m=38
